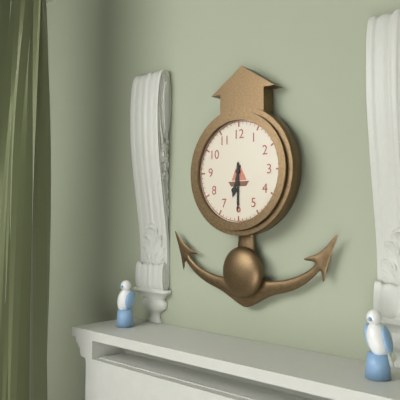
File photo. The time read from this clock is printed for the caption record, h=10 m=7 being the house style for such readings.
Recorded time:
h=6 m=30
